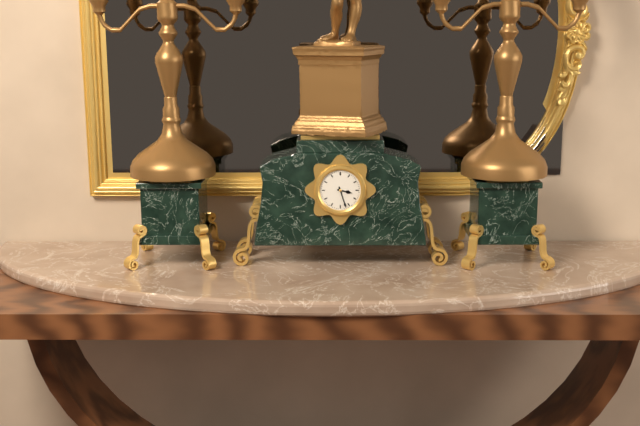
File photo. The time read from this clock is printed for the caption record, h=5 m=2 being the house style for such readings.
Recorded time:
h=3 m=27
